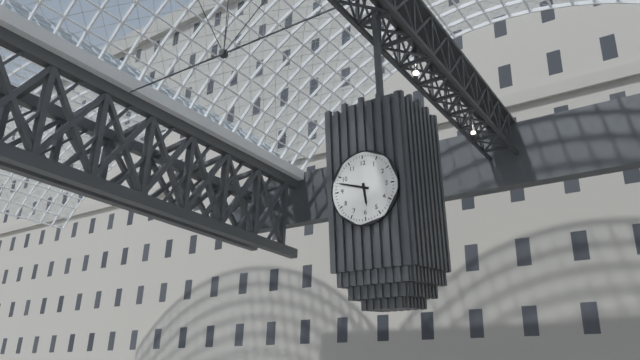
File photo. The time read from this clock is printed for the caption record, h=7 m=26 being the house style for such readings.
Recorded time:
h=5 m=48
